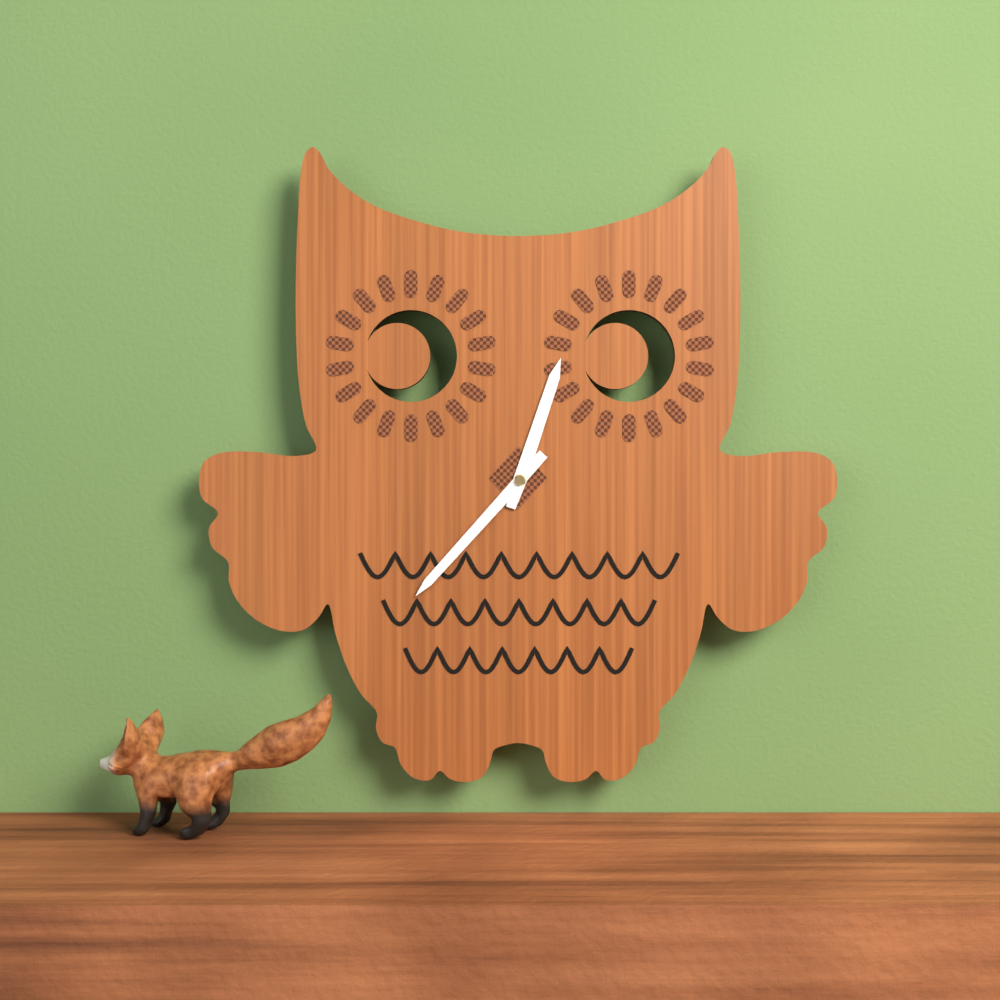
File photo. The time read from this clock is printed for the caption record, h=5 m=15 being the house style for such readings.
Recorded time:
h=12 m=37
